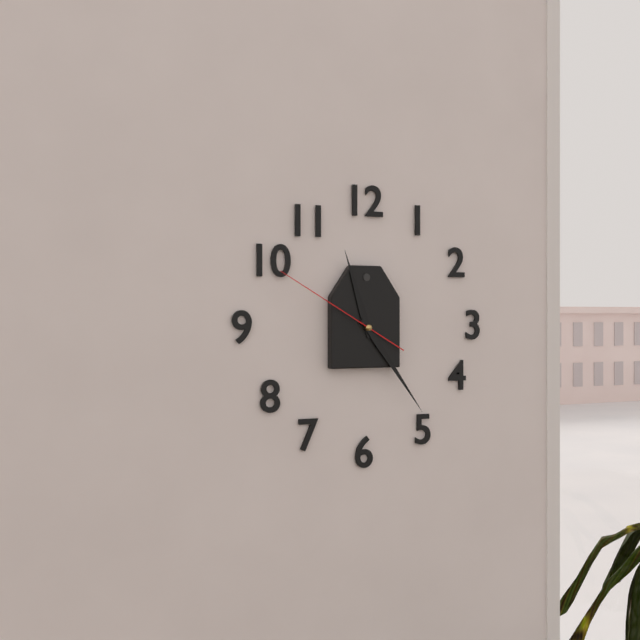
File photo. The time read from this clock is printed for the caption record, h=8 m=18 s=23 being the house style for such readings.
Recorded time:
h=11 m=24 s=50
